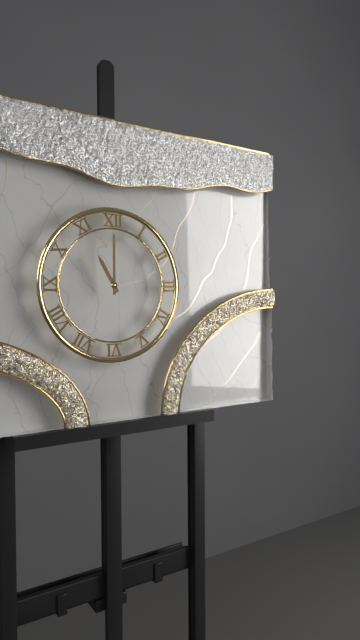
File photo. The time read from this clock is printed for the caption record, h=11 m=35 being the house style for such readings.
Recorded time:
h=11 m=0
